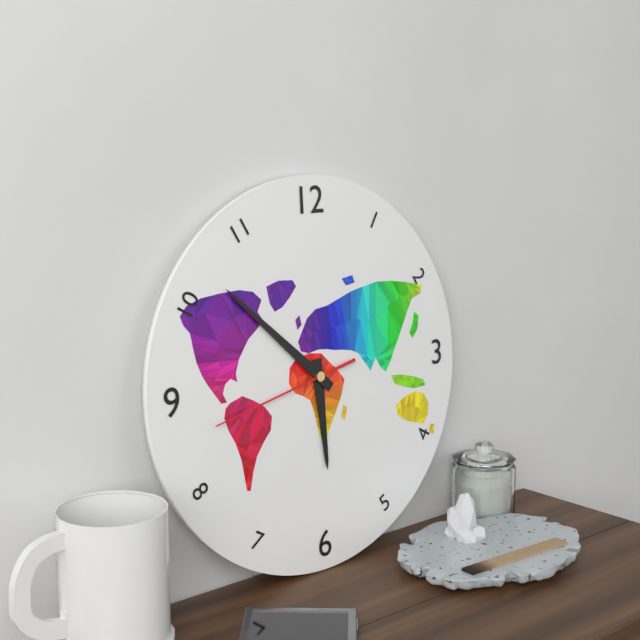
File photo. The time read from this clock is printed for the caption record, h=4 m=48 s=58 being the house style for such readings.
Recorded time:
h=5 m=52 s=43
